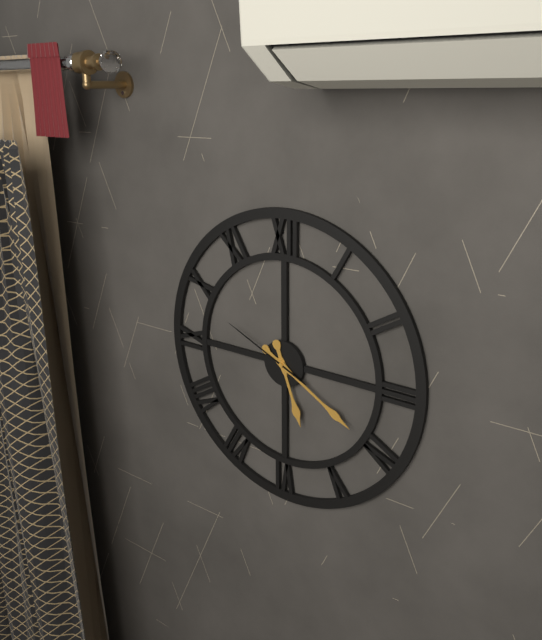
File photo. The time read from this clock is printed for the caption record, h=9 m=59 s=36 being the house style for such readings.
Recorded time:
h=5 m=20 s=49
